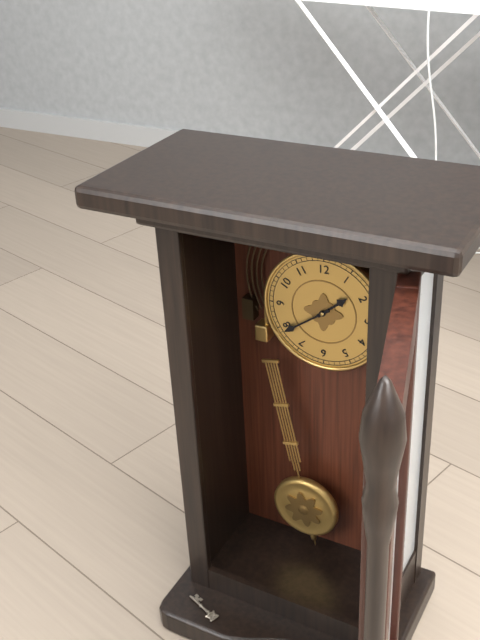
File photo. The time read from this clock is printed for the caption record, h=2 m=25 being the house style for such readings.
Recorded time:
h=1 m=39
